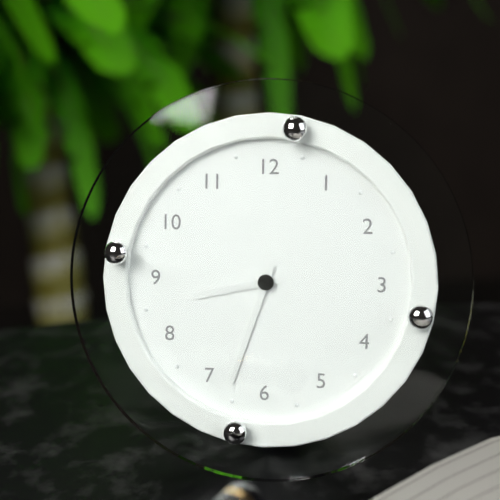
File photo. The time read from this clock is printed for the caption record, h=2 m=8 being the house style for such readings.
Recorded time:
h=8 m=33
